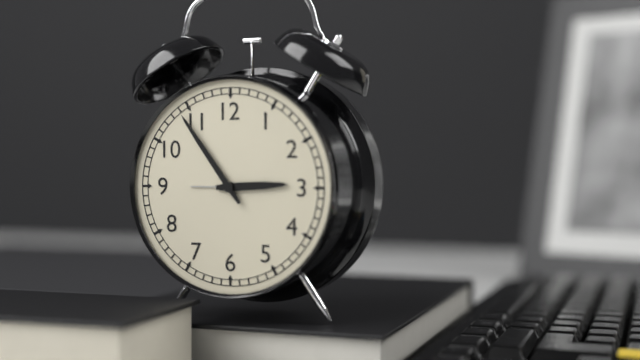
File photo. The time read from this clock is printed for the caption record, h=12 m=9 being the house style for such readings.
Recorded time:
h=2 m=54
